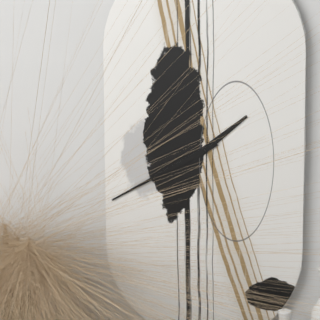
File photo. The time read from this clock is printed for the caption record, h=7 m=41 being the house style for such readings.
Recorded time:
h=1 m=40
